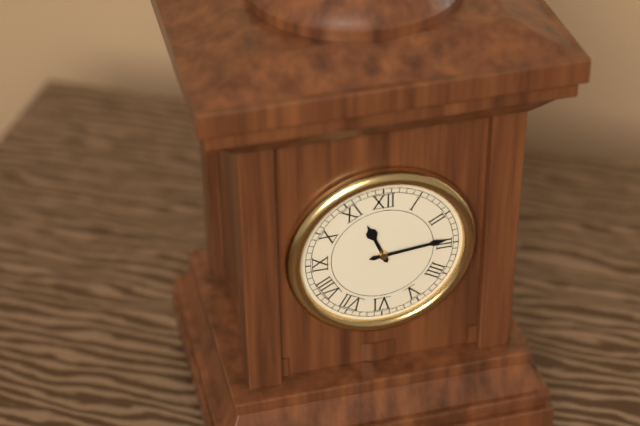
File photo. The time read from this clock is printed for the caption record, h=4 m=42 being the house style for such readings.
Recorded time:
h=11 m=14
